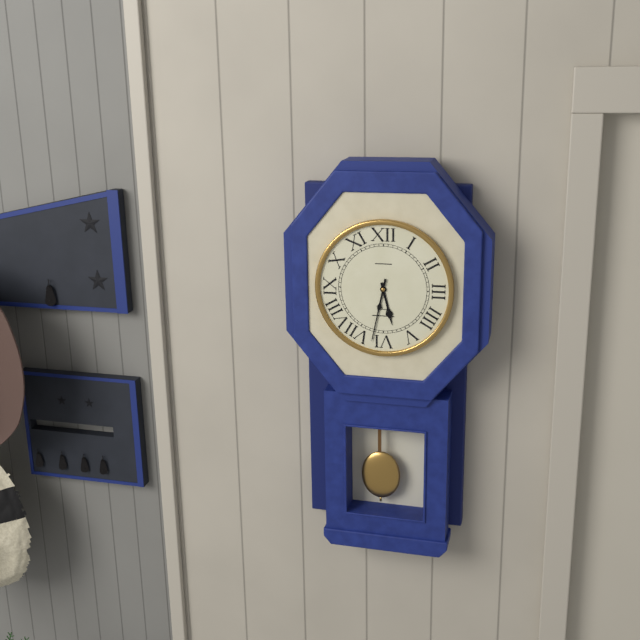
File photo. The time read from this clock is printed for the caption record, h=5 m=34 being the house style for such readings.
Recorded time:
h=5 m=32
